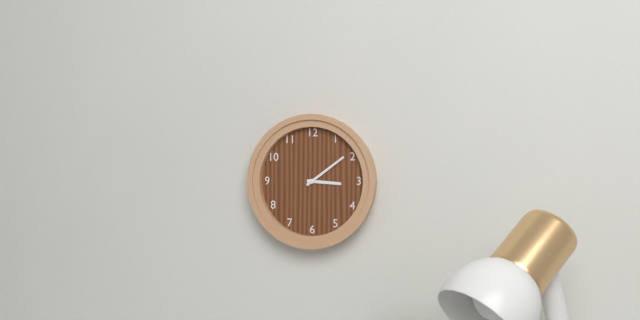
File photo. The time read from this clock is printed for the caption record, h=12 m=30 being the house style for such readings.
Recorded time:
h=3 m=9
